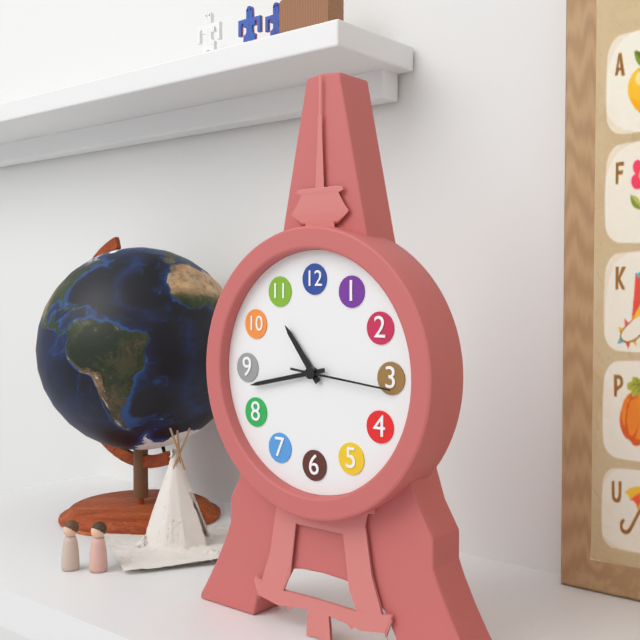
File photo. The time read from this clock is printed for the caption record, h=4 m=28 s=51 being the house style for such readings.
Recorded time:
h=10 m=43 s=16
